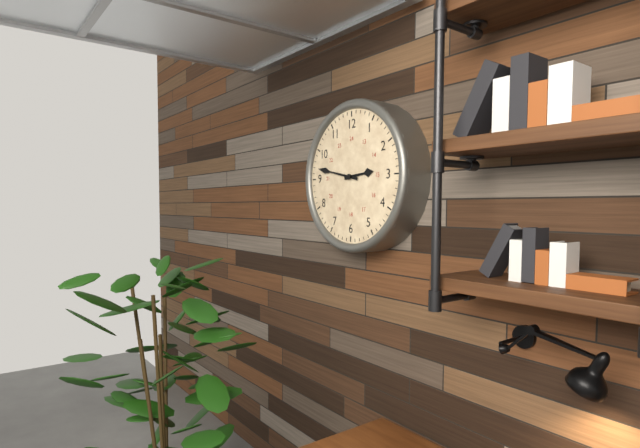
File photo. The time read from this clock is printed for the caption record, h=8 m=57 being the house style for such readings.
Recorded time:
h=2 m=47
